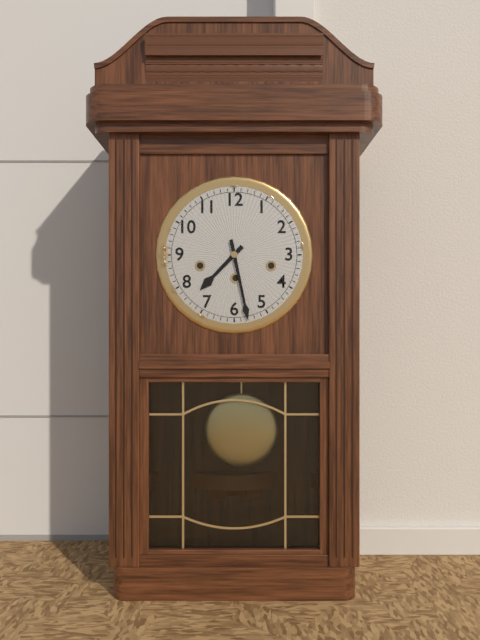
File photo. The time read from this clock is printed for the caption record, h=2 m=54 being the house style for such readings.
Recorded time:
h=7 m=28
